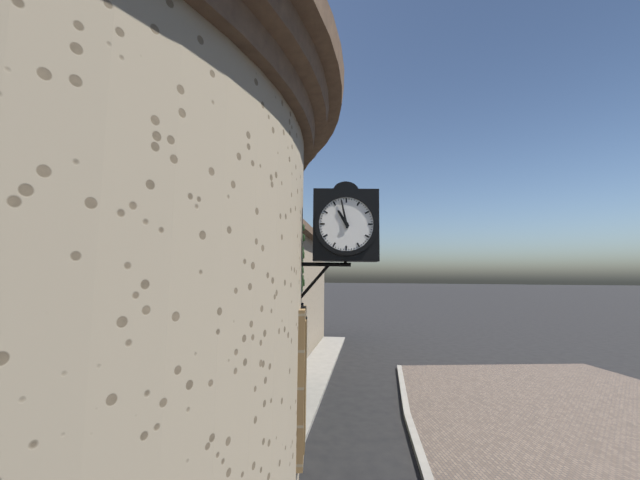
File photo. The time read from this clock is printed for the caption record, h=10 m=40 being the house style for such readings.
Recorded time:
h=10 m=58
